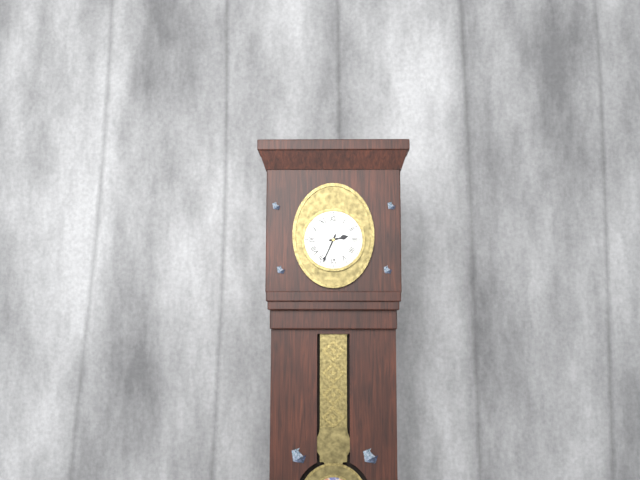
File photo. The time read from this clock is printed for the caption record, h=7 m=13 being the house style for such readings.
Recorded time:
h=2 m=34
